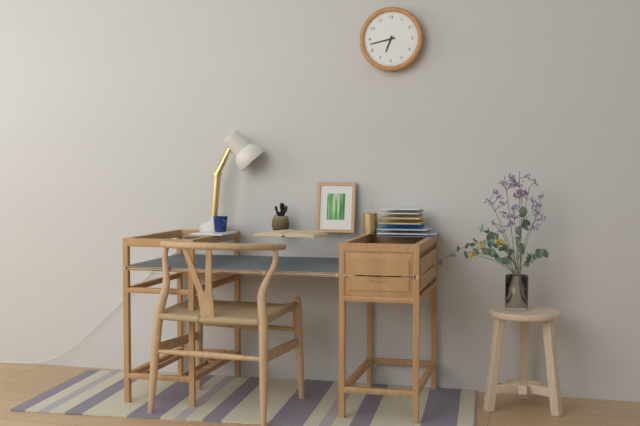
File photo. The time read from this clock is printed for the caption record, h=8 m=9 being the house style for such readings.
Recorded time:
h=6 m=43
